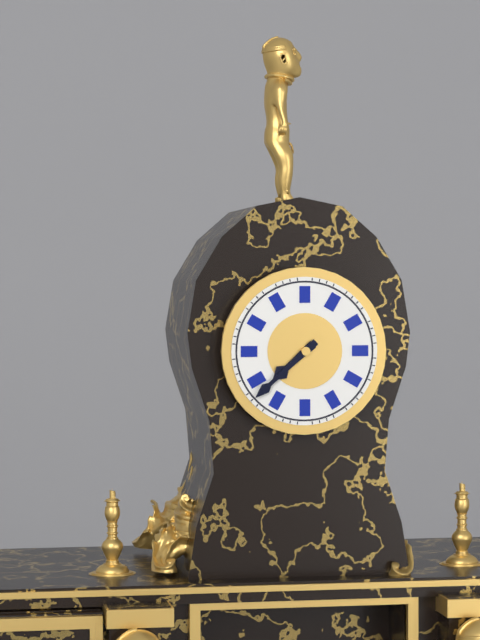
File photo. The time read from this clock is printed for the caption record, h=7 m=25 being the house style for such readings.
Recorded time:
h=7 m=38
